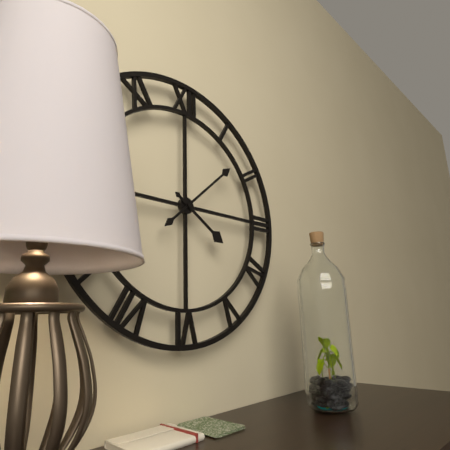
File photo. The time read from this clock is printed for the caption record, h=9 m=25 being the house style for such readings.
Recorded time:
h=4 m=8
